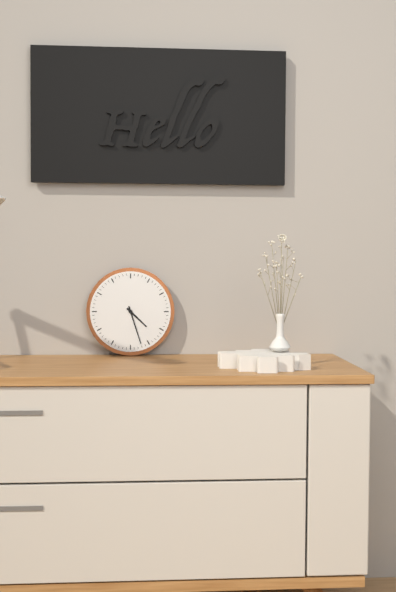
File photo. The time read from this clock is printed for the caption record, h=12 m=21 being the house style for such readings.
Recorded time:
h=4 m=27
